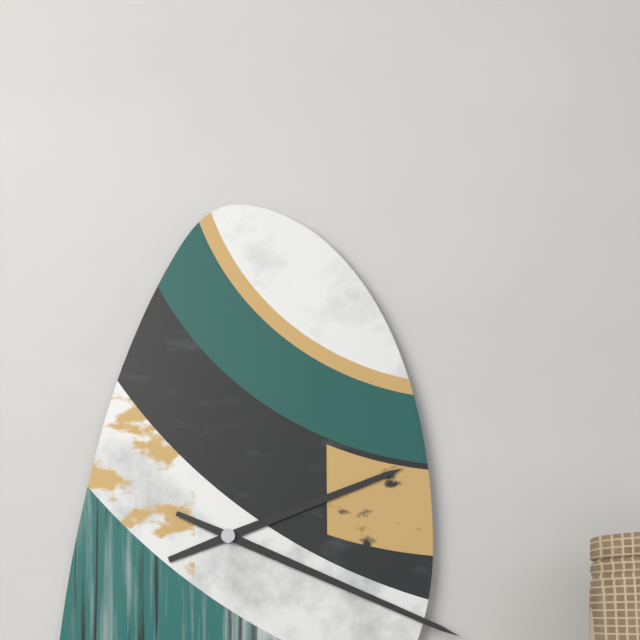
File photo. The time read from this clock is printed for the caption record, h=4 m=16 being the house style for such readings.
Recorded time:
h=2 m=19
